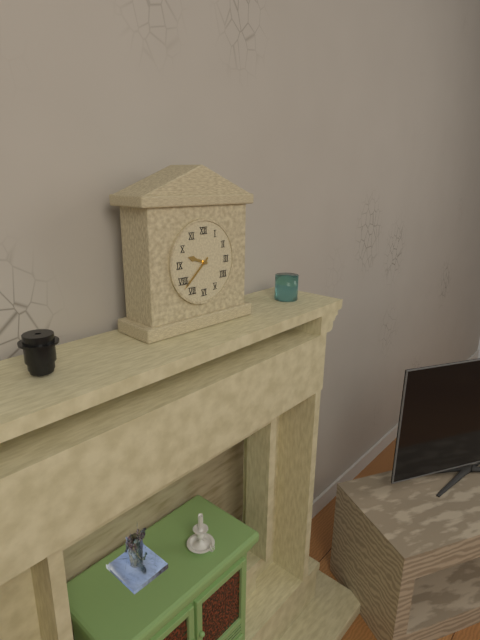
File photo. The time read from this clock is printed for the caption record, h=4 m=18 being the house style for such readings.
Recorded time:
h=9 m=38
